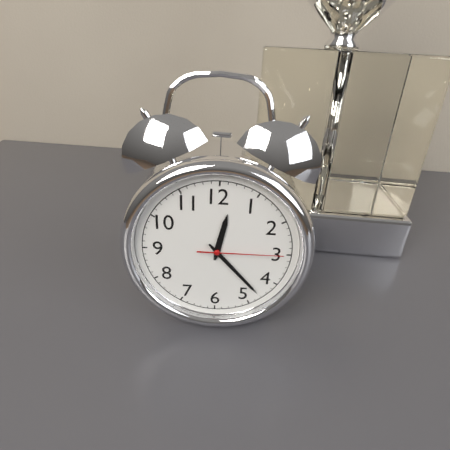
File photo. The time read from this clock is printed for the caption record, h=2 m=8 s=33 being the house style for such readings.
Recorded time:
h=12 m=23 s=15
